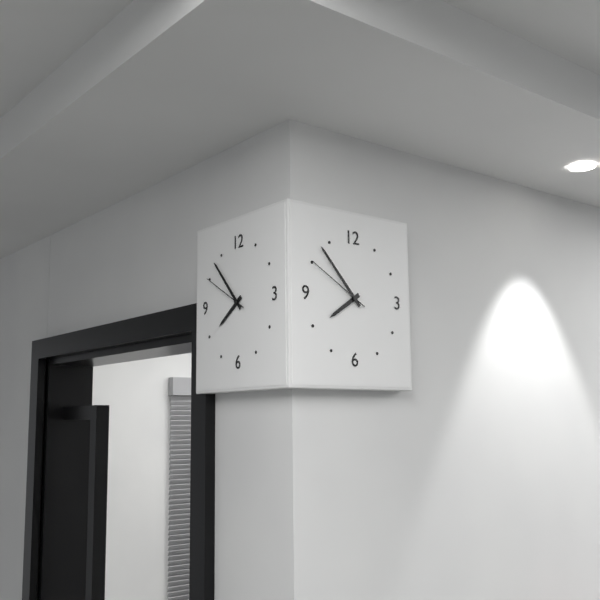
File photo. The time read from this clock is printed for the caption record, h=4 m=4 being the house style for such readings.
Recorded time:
h=7 m=53
